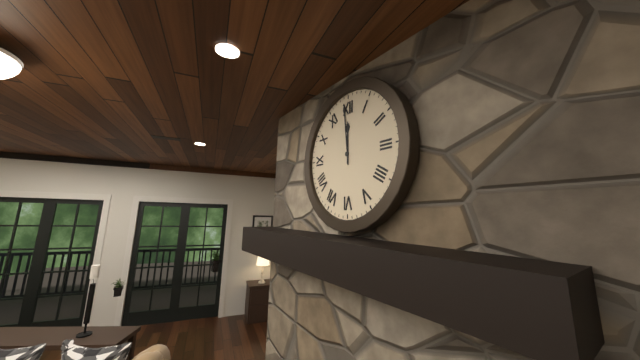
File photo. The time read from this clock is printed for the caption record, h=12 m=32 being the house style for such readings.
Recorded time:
h=11 m=59
